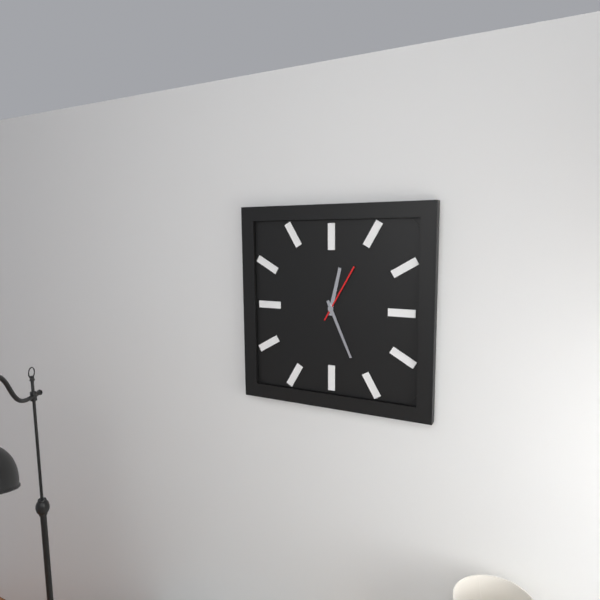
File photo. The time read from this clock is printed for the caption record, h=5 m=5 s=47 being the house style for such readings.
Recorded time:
h=12 m=26 s=5
